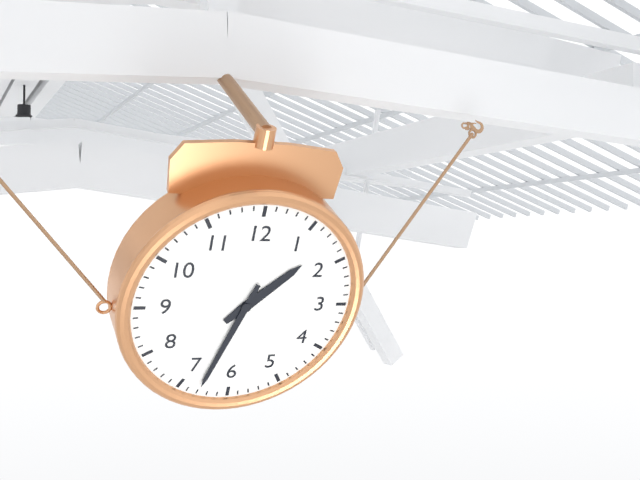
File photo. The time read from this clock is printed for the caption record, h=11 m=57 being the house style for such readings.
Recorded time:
h=1 m=33
